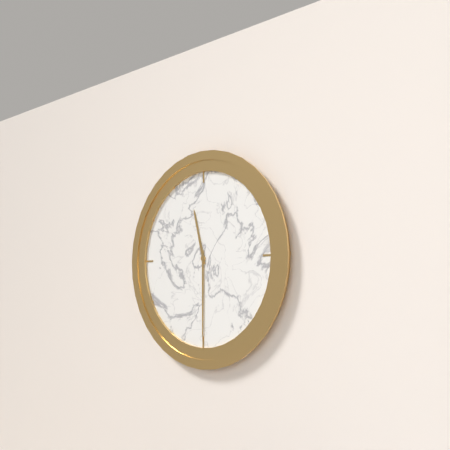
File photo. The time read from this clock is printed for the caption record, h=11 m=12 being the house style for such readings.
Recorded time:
h=11 m=30
